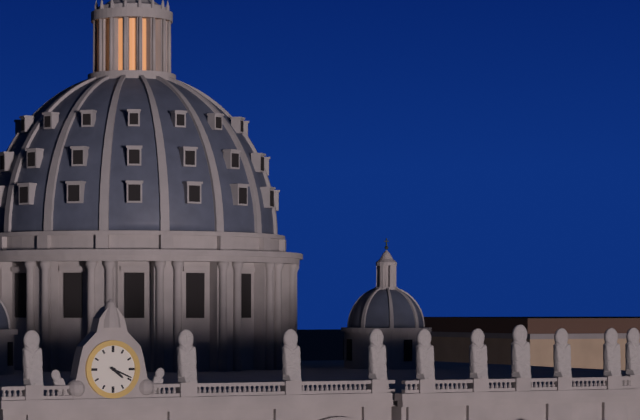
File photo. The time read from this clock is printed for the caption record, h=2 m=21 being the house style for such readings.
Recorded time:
h=4 m=19
